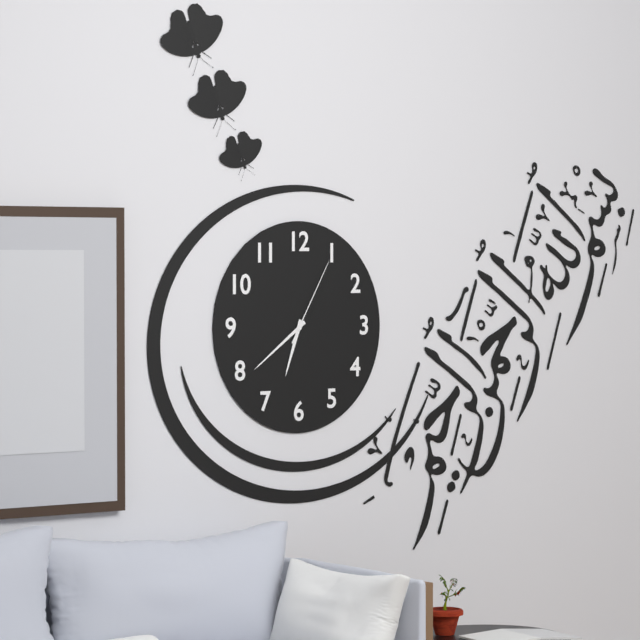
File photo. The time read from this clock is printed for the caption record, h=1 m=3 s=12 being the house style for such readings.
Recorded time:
h=6 m=39 s=5
